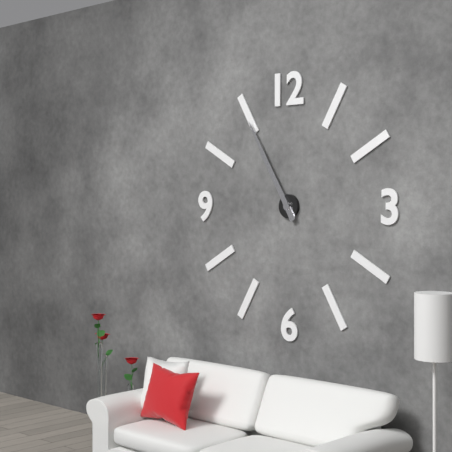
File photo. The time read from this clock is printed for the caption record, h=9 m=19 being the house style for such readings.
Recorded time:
h=10 m=55
